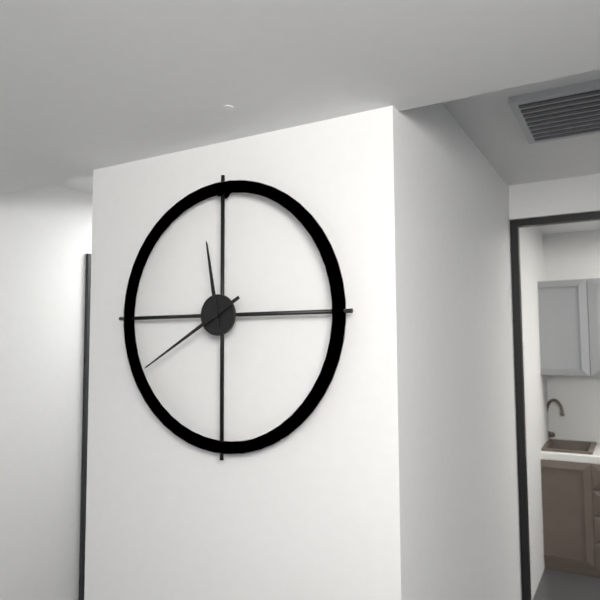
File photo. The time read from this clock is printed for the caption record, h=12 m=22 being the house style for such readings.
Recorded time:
h=11 m=40
